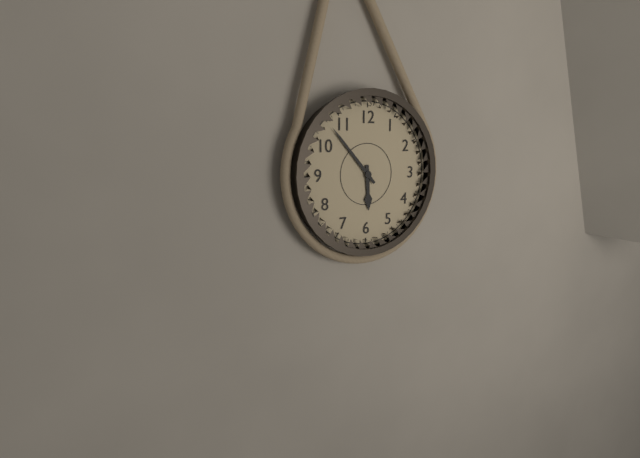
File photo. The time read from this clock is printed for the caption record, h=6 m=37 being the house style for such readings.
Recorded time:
h=5 m=53
